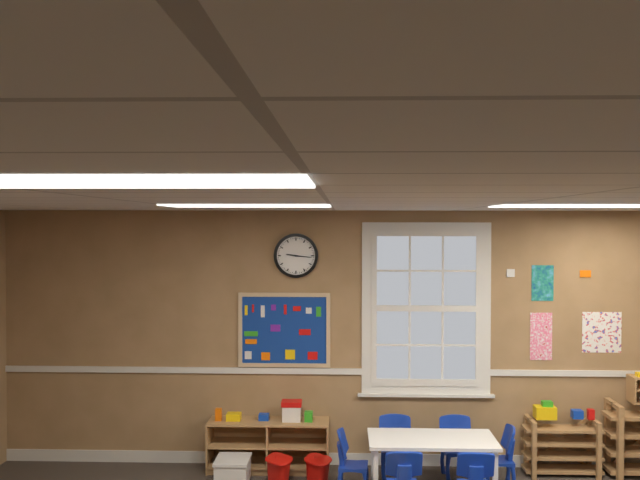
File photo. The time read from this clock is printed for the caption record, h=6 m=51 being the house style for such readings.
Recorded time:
h=9 m=16
